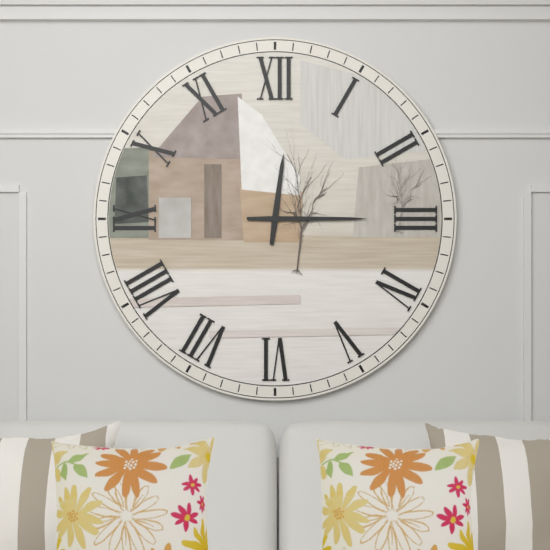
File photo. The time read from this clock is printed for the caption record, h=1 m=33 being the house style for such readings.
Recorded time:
h=12 m=15
